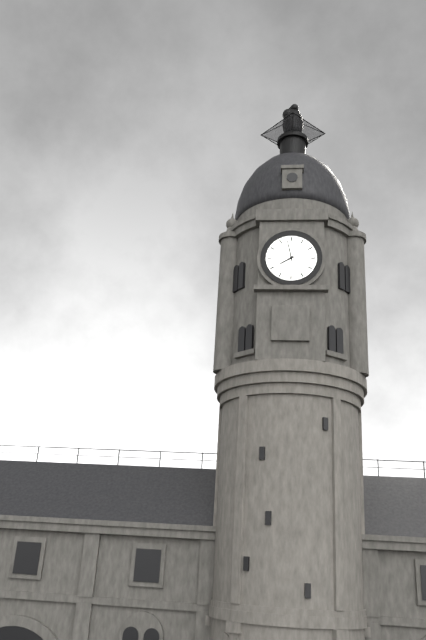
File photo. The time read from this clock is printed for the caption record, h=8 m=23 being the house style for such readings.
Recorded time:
h=7 m=58
